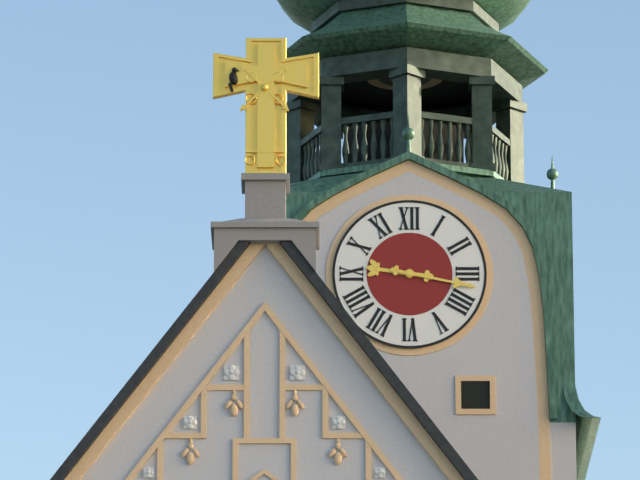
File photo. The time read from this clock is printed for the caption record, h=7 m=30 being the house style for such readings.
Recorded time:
h=9 m=17
